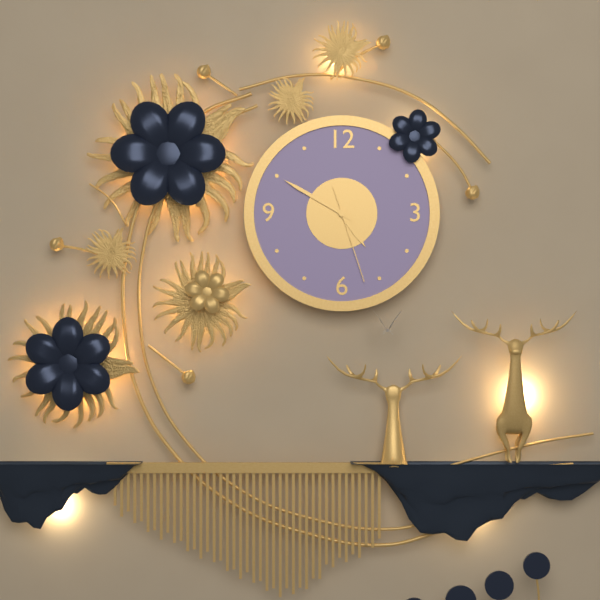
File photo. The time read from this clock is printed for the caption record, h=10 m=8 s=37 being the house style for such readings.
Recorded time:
h=4 m=50 s=27
